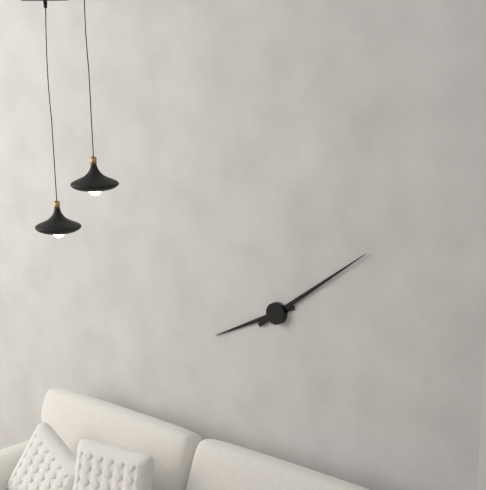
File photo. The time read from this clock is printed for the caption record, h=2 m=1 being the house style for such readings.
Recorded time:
h=8 m=9
